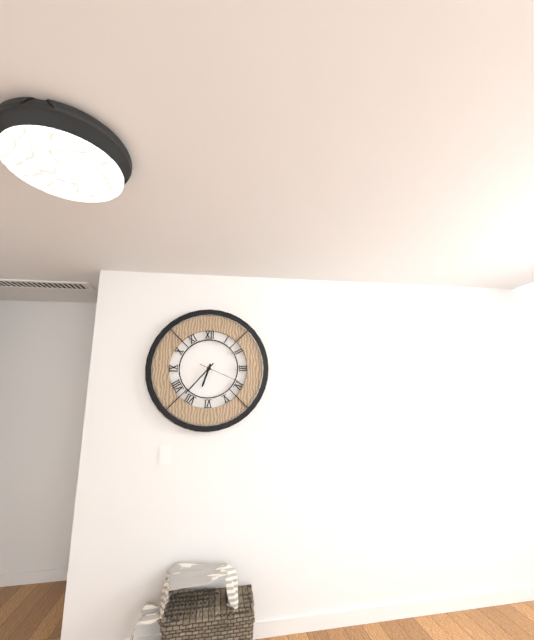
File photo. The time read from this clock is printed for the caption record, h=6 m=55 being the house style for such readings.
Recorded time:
h=6 m=37
